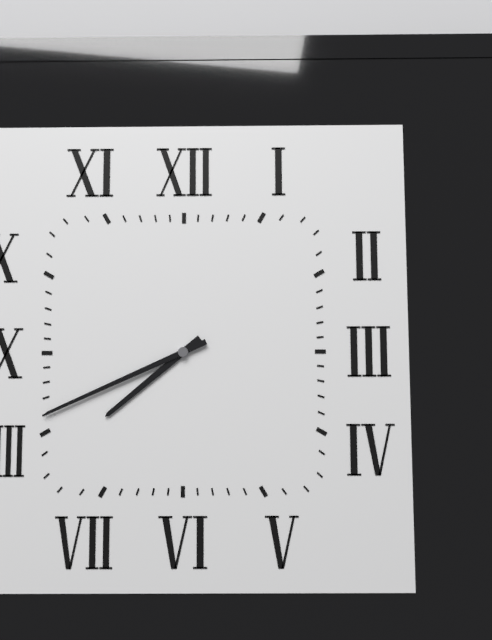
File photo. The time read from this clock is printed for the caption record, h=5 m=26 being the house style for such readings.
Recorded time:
h=7 m=41
